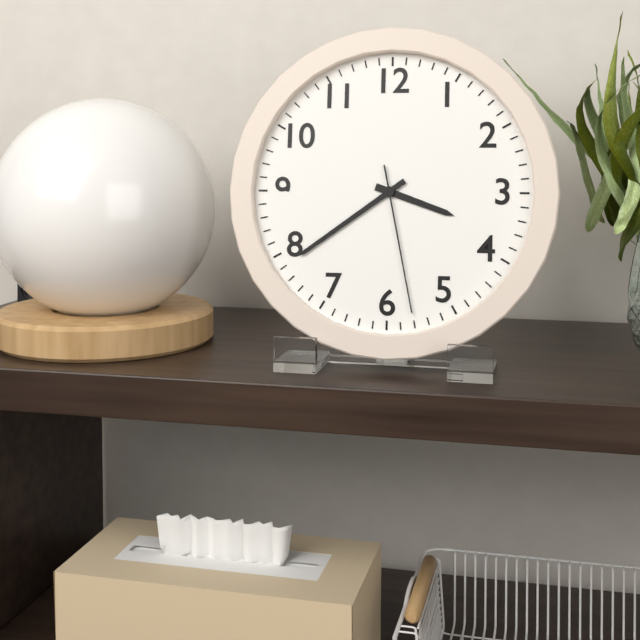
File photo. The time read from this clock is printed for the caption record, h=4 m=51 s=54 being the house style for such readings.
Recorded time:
h=3 m=39 s=28
